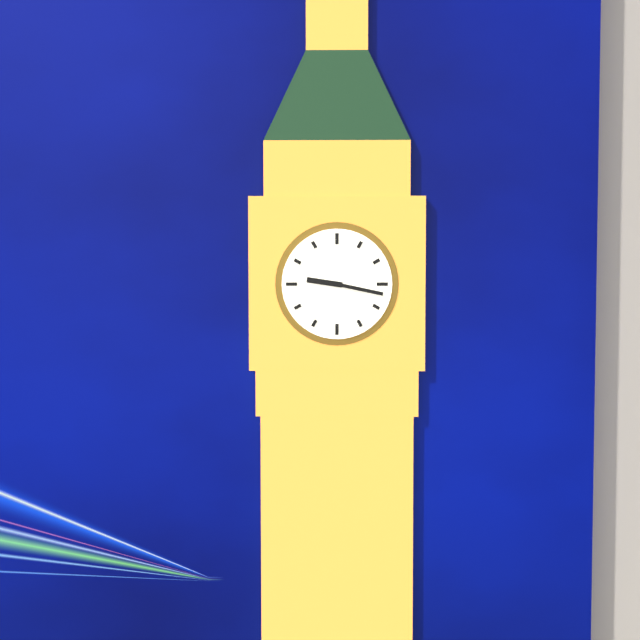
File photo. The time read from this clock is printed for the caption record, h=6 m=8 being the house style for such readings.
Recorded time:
h=9 m=17
